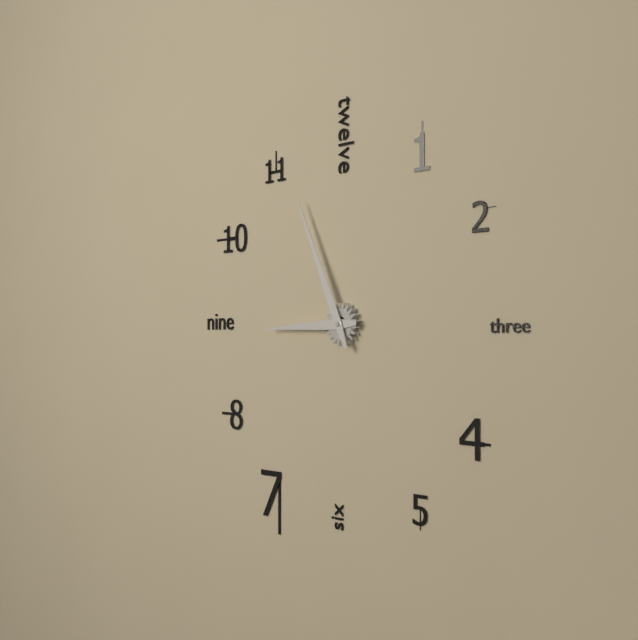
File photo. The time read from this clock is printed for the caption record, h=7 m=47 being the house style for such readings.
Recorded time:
h=8 m=56
